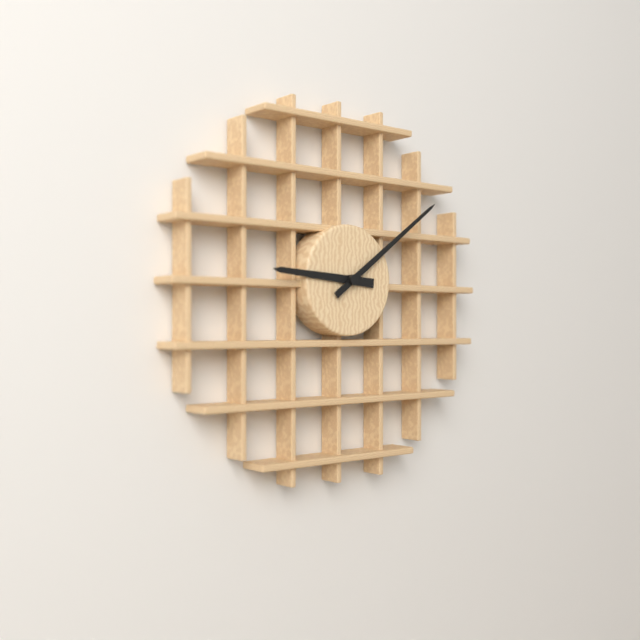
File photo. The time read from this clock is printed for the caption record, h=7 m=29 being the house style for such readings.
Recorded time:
h=9 m=9
